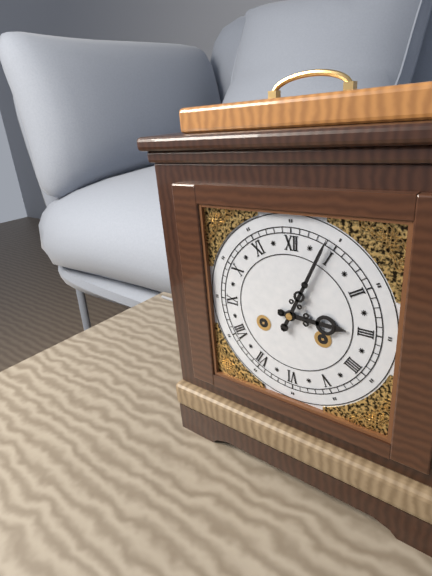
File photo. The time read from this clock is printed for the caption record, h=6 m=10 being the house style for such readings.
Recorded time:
h=3 m=4
